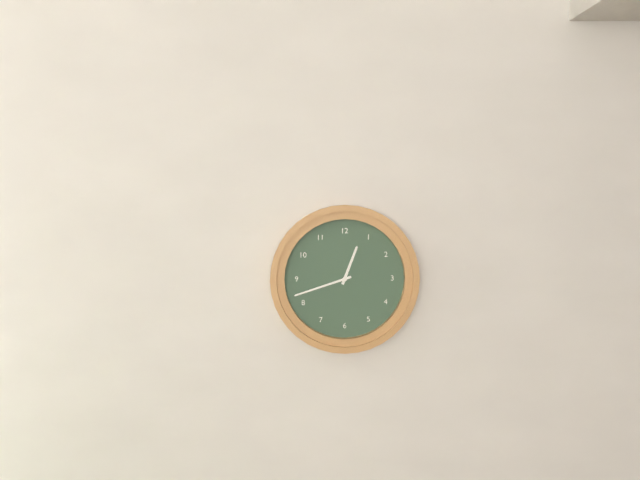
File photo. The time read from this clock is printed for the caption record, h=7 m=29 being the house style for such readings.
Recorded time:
h=12 m=42
